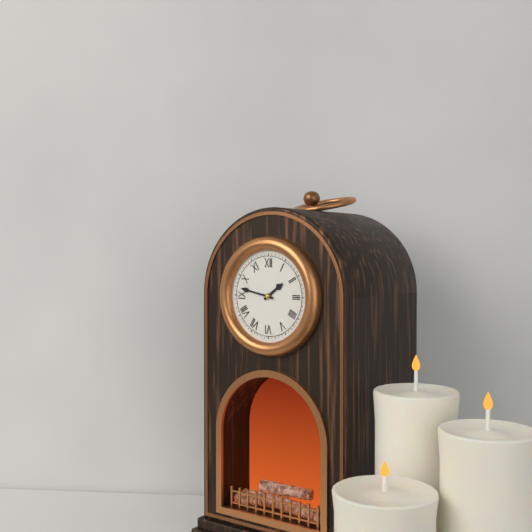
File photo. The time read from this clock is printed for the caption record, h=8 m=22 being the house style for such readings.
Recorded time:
h=1 m=47
